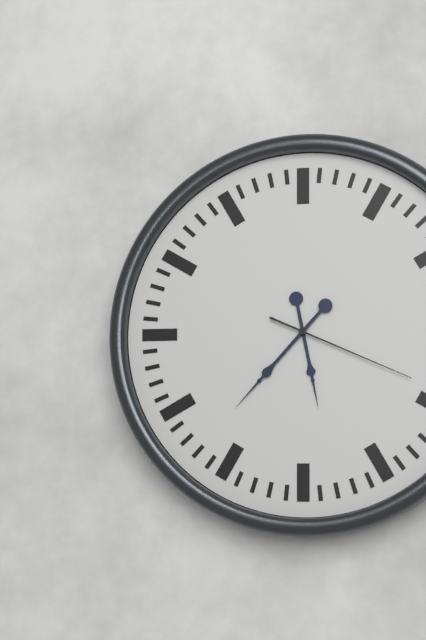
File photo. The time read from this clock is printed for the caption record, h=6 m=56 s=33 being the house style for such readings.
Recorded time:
h=5 m=37 s=19
